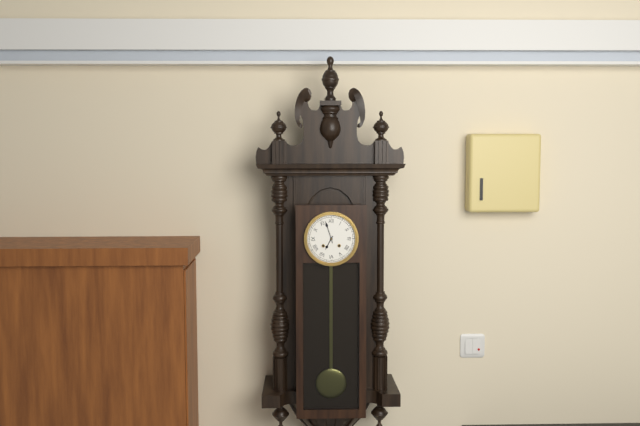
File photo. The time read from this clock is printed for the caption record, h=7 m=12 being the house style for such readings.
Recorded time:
h=6 m=57
